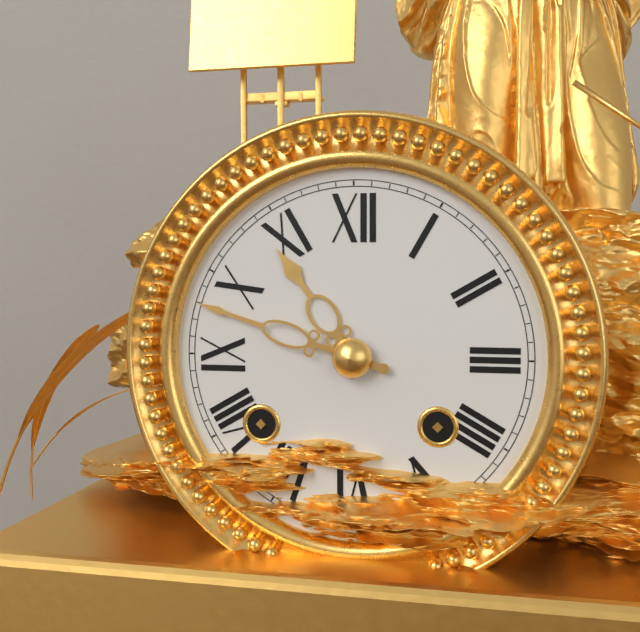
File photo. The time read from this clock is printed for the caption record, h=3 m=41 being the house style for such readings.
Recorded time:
h=10 m=48
